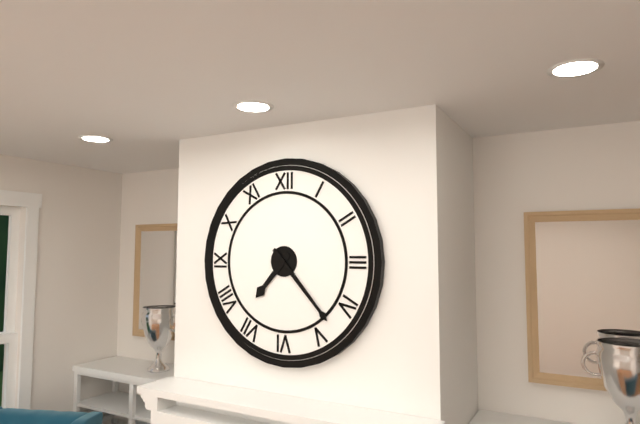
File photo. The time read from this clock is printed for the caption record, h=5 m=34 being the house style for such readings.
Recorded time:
h=7 m=23
